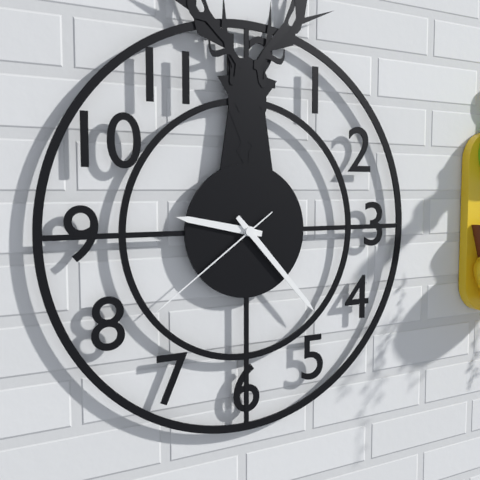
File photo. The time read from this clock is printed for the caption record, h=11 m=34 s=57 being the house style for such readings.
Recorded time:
h=9 m=23 s=39
